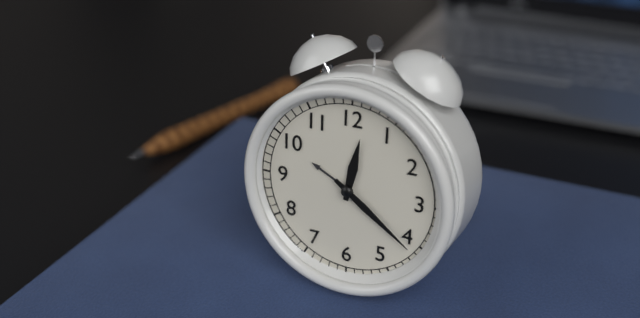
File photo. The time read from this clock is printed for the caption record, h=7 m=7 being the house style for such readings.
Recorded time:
h=12 m=21
